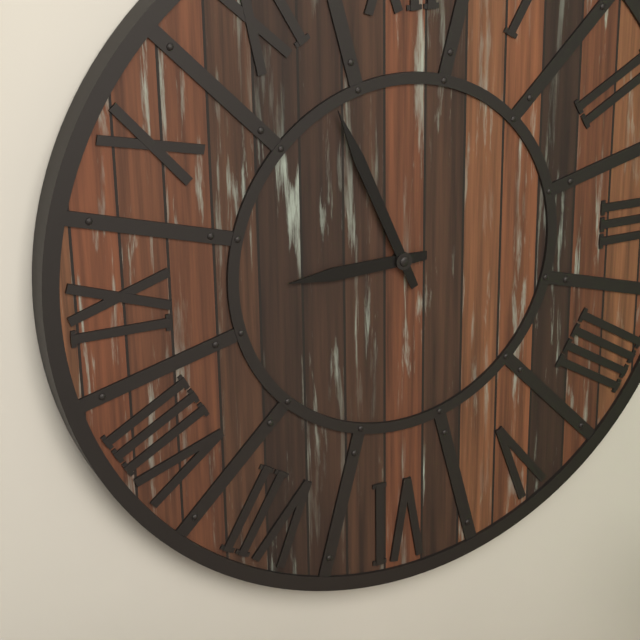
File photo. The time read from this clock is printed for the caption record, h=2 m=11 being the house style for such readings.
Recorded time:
h=8 m=56
